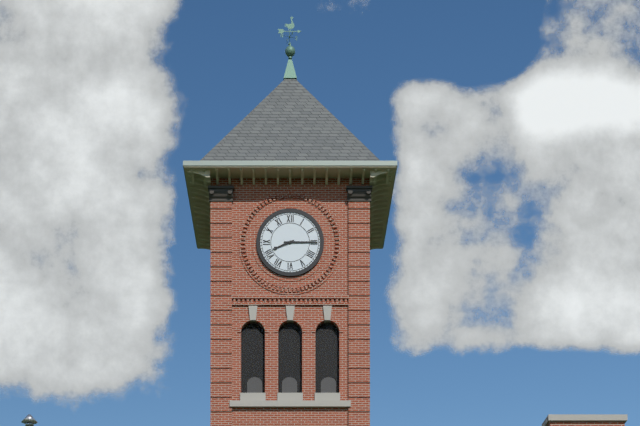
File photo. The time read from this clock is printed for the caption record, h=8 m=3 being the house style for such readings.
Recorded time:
h=8 m=15
